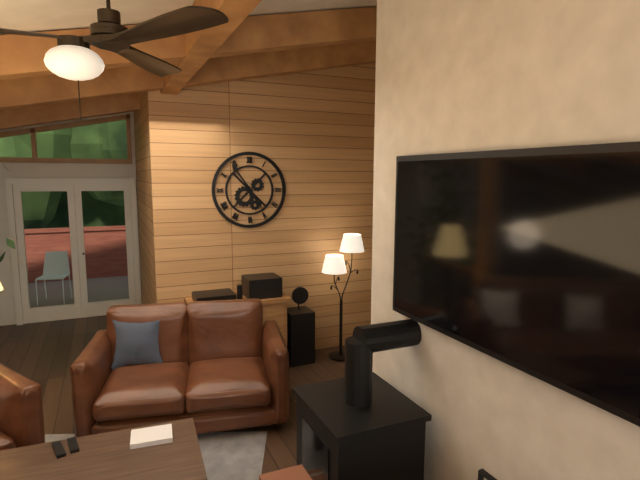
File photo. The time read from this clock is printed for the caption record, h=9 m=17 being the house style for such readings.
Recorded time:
h=4 m=54
